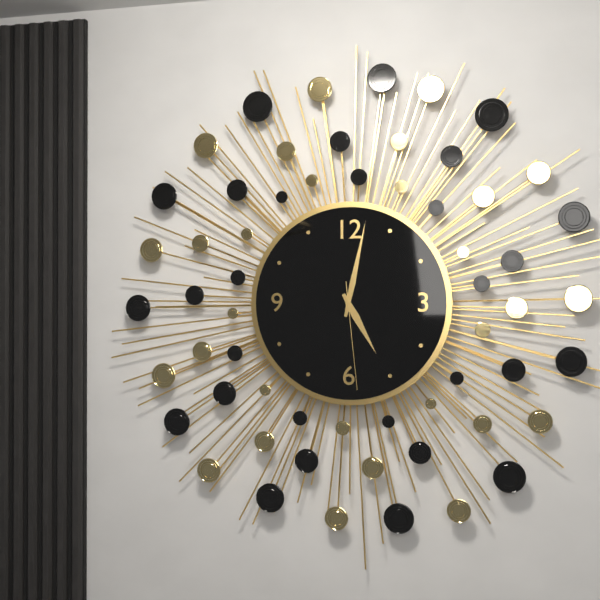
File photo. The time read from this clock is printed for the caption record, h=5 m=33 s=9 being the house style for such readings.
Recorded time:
h=5 m=2 s=29
